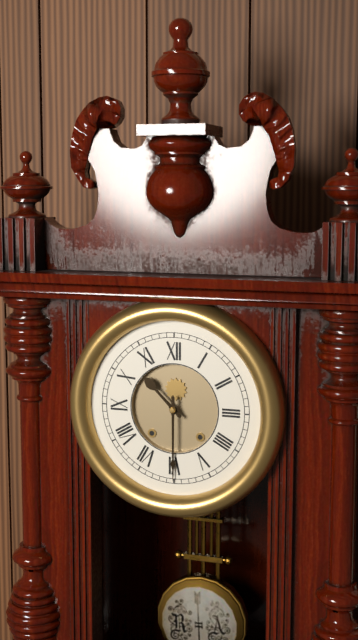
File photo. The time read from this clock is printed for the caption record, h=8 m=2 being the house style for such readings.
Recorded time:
h=10 m=30
